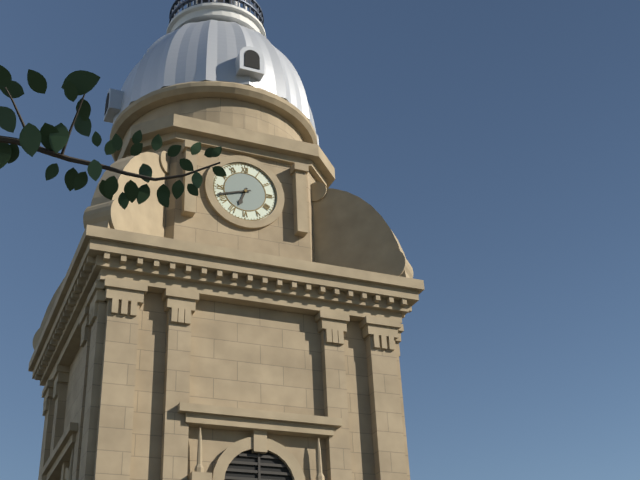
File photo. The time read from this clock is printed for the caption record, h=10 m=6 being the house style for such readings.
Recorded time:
h=6 m=42
